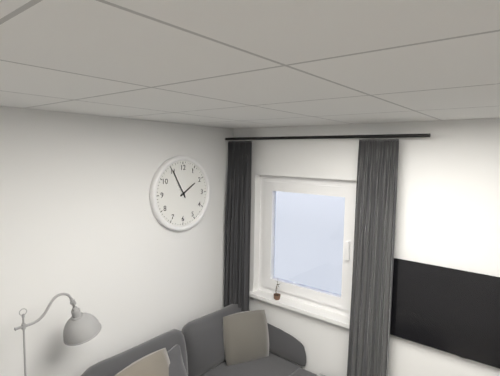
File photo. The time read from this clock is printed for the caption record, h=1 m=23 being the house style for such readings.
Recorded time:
h=1 m=55
